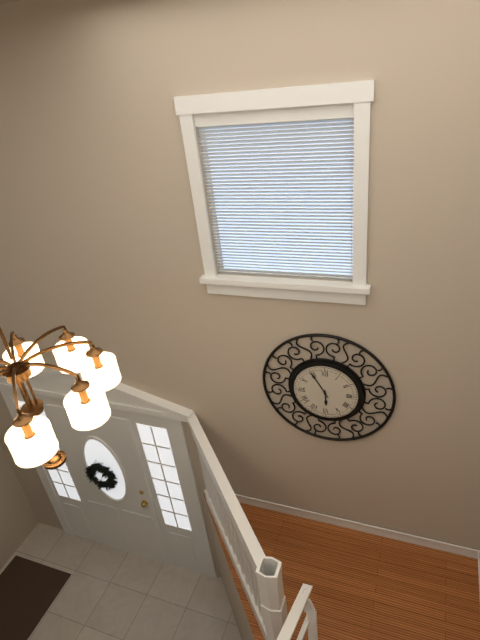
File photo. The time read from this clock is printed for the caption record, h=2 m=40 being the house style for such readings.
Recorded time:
h=5 m=55
